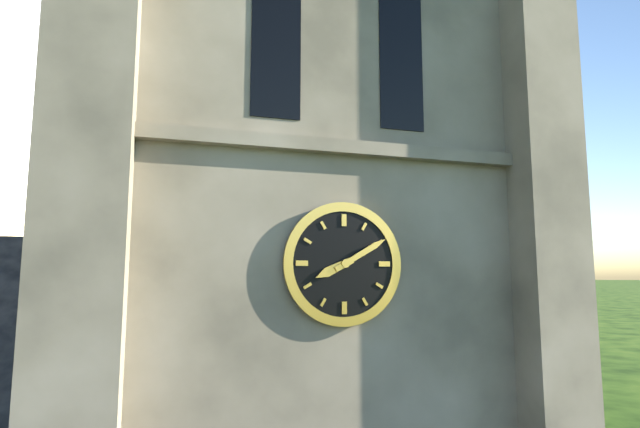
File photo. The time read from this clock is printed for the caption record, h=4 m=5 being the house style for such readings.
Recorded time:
h=8 m=10
